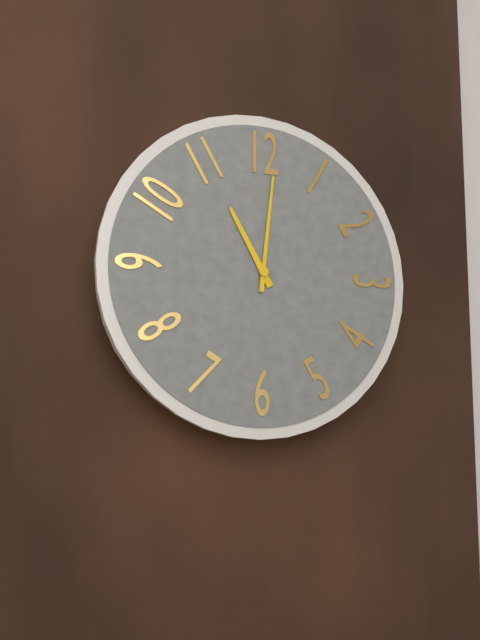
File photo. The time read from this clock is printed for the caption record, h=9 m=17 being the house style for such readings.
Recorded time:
h=11 m=1
